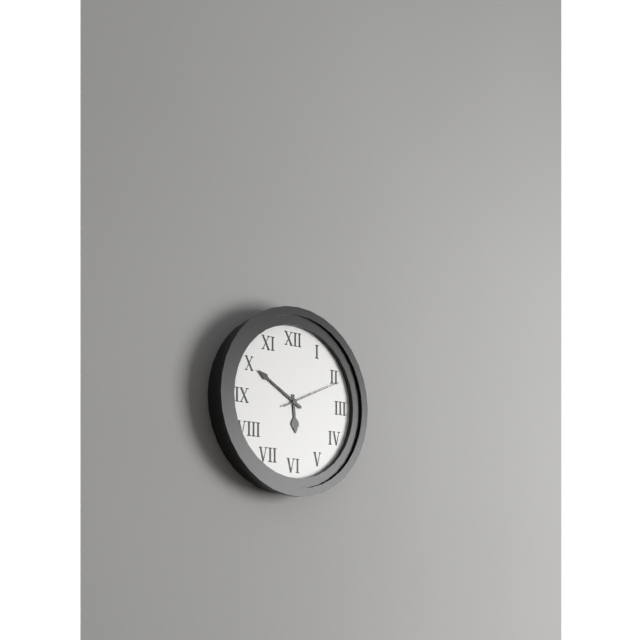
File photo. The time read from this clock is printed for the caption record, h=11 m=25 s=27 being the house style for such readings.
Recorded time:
h=5 m=50 s=11
